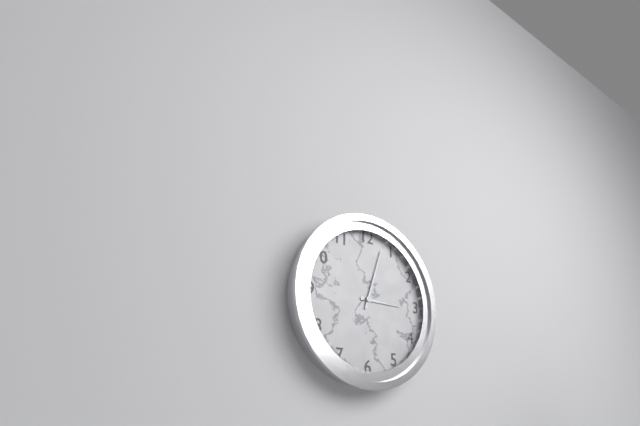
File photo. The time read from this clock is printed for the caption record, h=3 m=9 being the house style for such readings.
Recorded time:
h=3 m=3
